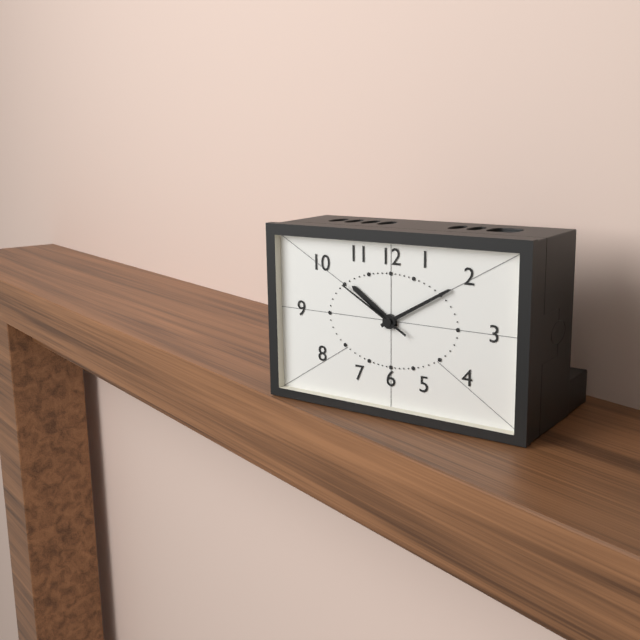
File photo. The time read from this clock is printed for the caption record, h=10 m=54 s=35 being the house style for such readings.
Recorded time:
h=10 m=10 s=50
